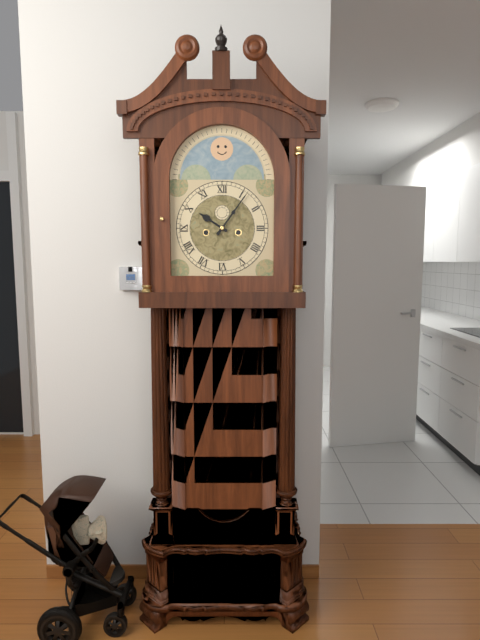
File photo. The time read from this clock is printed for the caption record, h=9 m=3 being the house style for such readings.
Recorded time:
h=10 m=6
